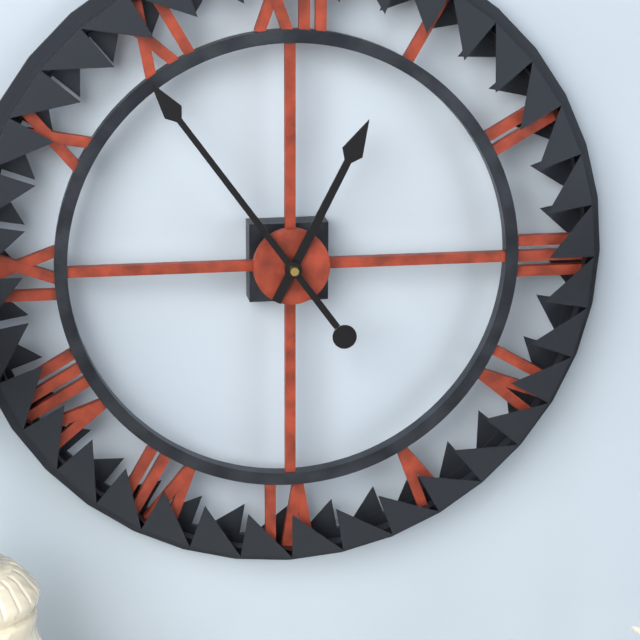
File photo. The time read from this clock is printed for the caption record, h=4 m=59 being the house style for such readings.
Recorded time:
h=12 m=54
